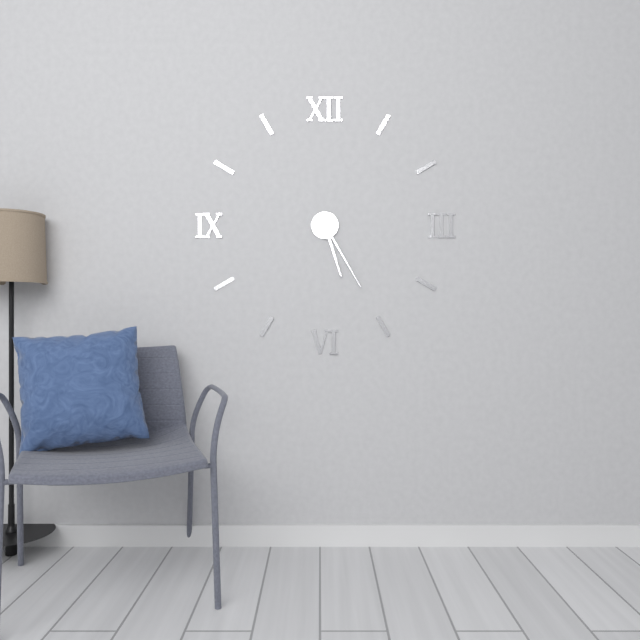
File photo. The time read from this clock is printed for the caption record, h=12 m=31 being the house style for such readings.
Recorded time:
h=5 m=25
